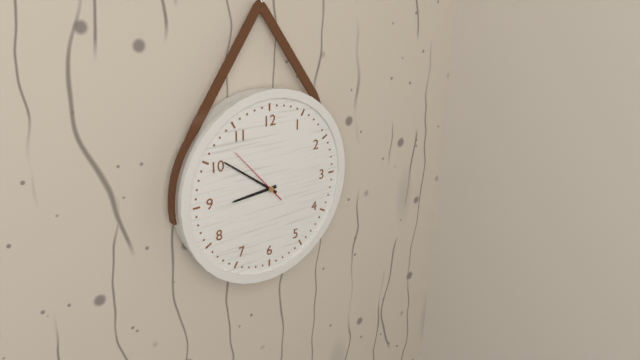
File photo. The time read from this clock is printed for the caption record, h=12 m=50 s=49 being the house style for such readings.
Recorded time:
h=8 m=51 s=53
